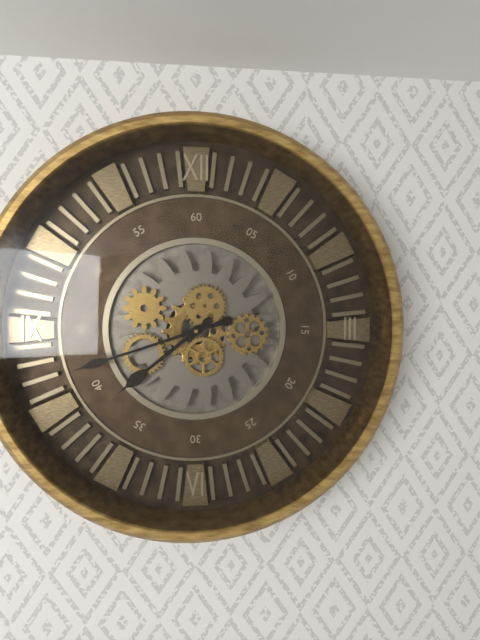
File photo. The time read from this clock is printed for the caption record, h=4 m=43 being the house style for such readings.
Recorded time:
h=7 m=42
